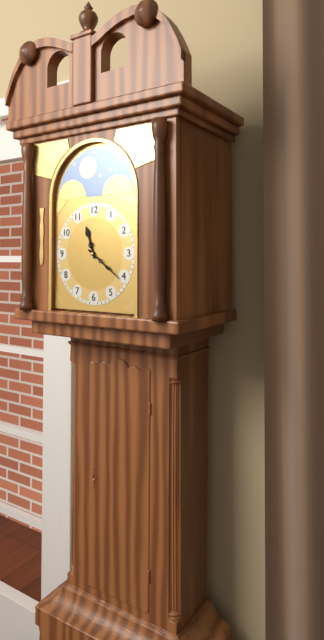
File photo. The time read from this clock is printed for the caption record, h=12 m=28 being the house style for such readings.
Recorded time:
h=11 m=21
